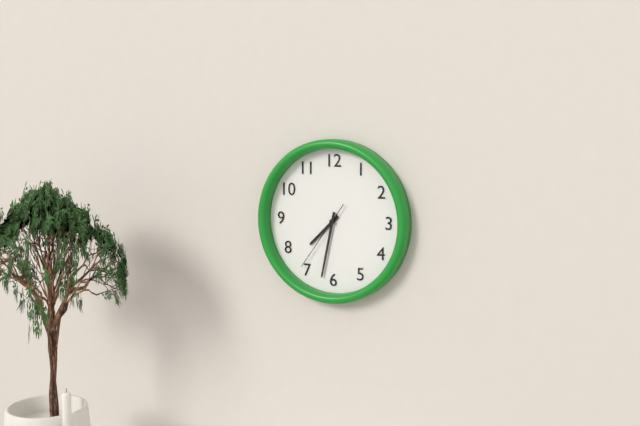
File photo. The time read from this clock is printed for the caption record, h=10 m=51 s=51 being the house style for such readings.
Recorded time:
h=7 m=32 s=36
